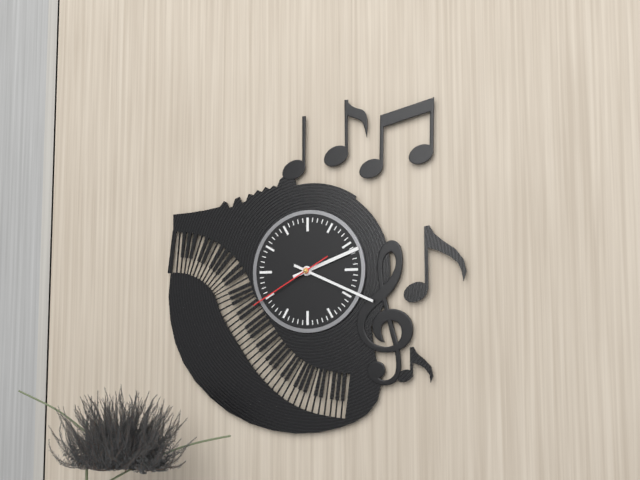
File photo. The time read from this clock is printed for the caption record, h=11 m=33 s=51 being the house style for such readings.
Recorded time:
h=2 m=19 s=40
